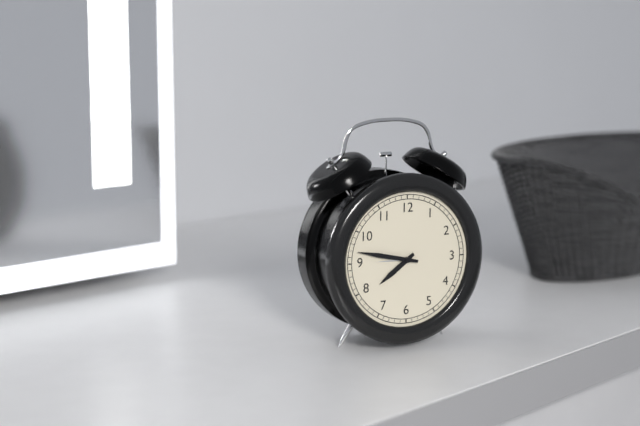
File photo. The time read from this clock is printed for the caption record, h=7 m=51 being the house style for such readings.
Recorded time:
h=7 m=47
